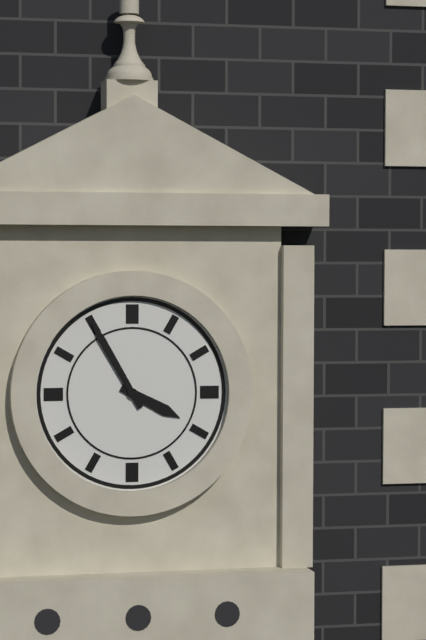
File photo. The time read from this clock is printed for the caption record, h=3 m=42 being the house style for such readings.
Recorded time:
h=3 m=55
